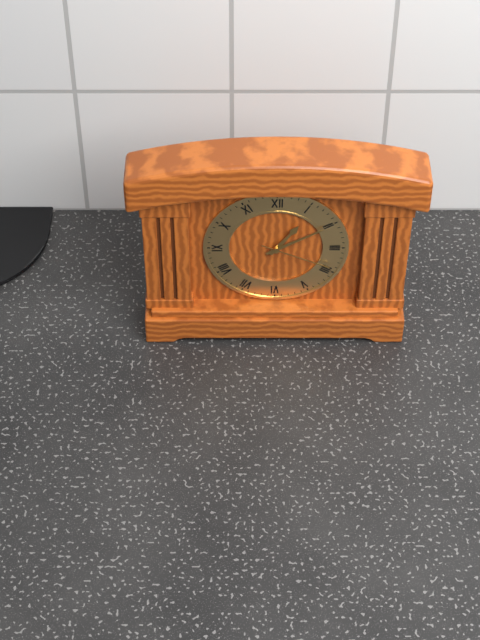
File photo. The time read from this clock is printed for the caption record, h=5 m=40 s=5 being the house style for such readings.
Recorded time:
h=1 m=10 s=19
